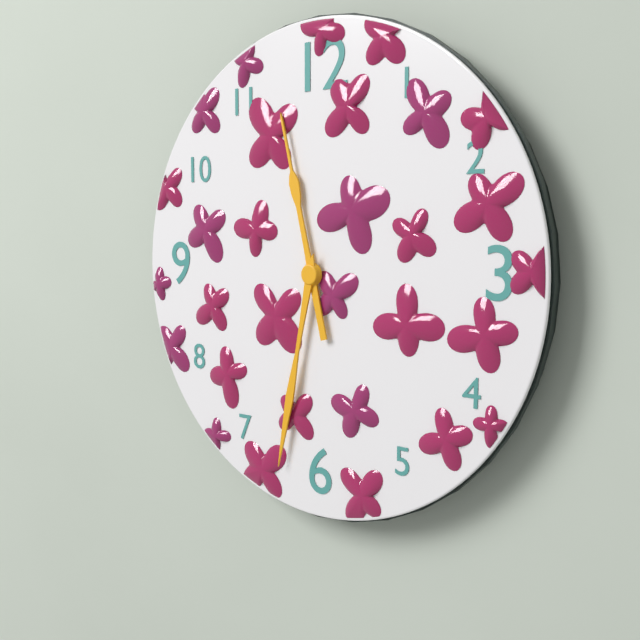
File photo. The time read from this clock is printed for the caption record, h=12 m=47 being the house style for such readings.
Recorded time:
h=11 m=32
